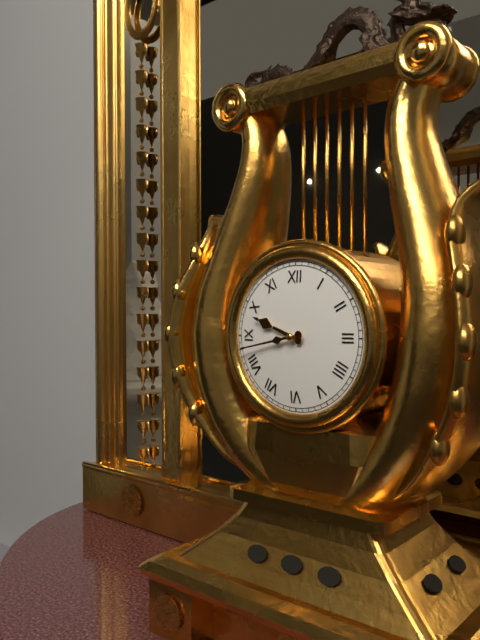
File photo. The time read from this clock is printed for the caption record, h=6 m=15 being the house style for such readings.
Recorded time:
h=9 m=43
